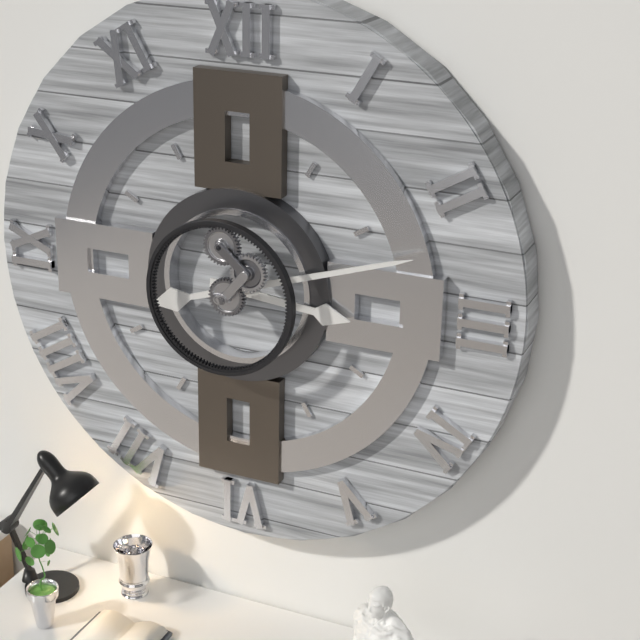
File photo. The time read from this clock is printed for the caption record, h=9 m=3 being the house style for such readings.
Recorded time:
h=3 m=12
